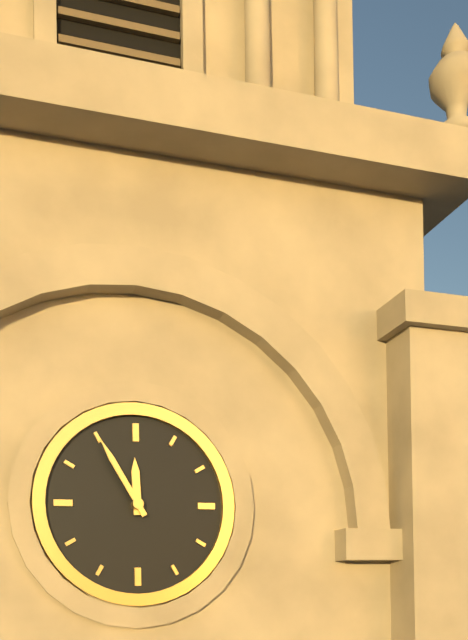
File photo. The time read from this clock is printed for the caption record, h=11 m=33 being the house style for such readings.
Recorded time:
h=11 m=55
